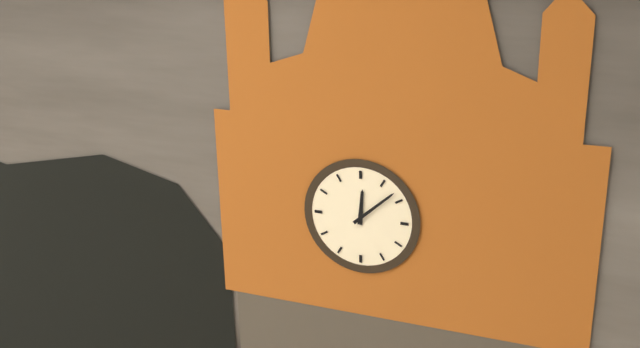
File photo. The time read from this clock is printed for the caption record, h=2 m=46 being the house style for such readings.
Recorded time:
h=12 m=8
